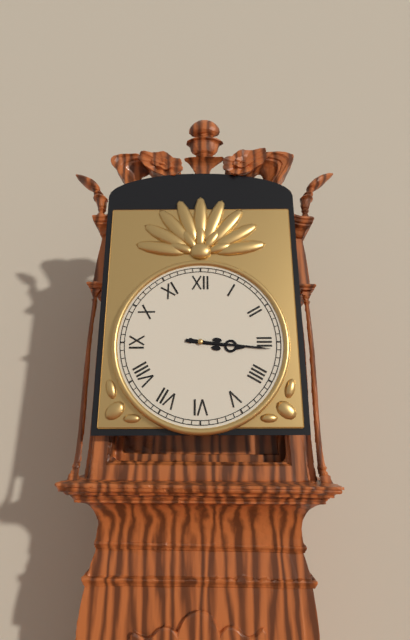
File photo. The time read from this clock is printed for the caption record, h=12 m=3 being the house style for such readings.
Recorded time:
h=3 m=16
